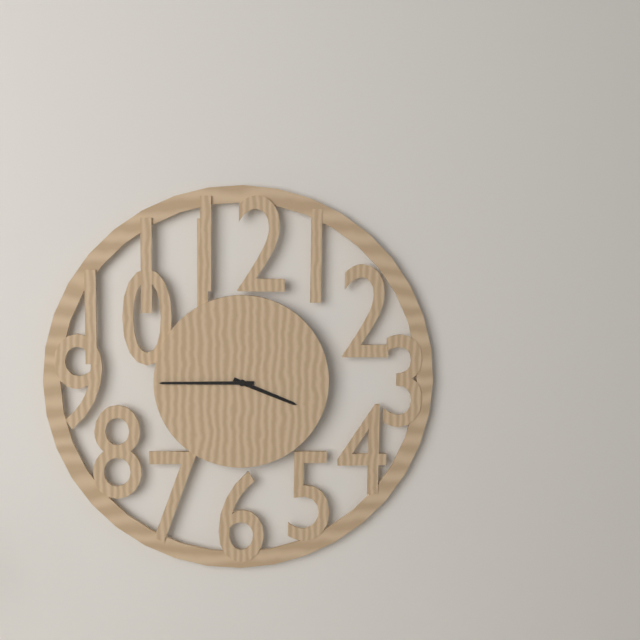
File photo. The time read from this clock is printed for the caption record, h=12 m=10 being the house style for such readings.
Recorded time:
h=3 m=45
